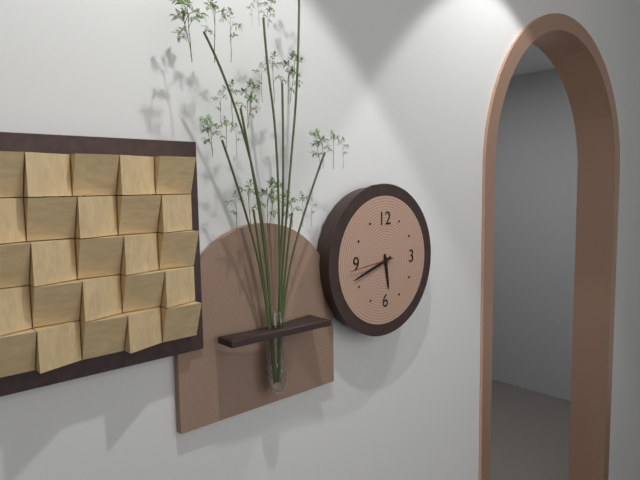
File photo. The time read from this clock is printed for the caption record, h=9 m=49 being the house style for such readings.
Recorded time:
h=5 m=42
